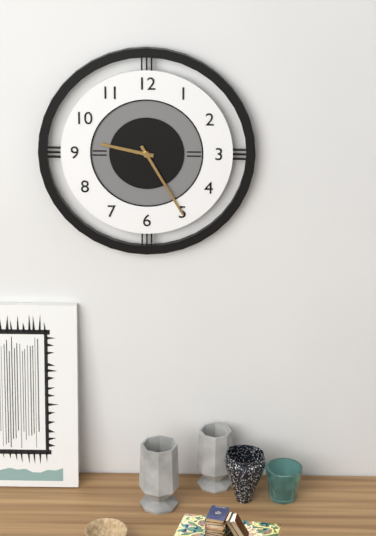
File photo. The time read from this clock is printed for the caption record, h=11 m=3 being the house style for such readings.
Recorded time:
h=9 m=25
